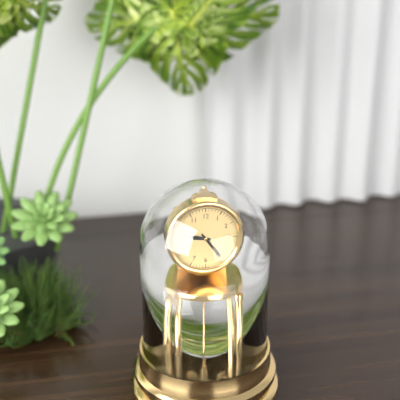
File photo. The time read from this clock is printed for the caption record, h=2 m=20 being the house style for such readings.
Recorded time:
h=9 m=24
